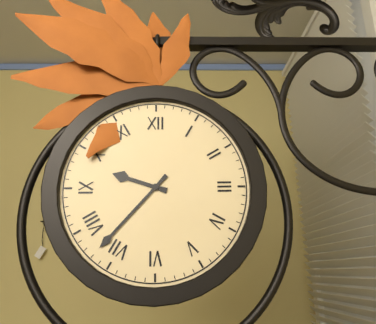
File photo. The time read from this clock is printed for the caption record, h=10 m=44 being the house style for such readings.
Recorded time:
h=9 m=37
